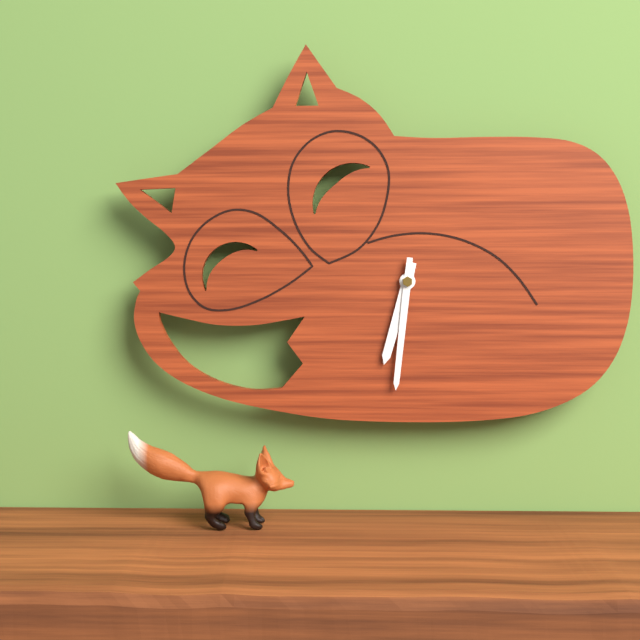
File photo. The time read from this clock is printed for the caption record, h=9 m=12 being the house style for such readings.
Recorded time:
h=6 m=31
